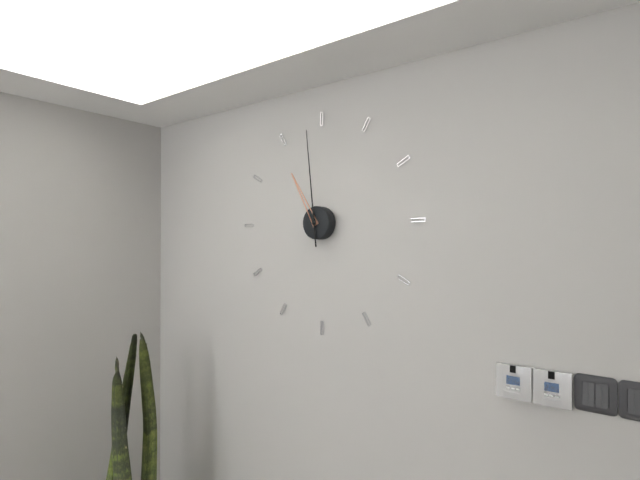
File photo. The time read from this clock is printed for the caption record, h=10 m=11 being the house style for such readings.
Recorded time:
h=10 m=59
